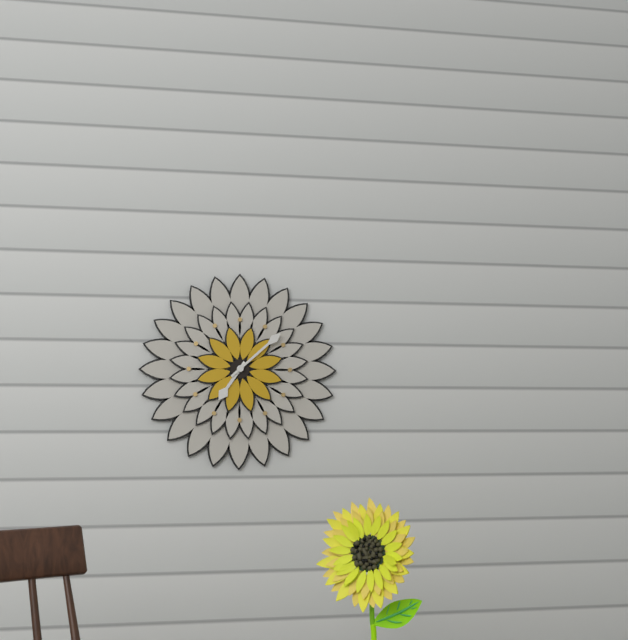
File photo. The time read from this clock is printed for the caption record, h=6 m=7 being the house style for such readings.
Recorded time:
h=7 m=8
